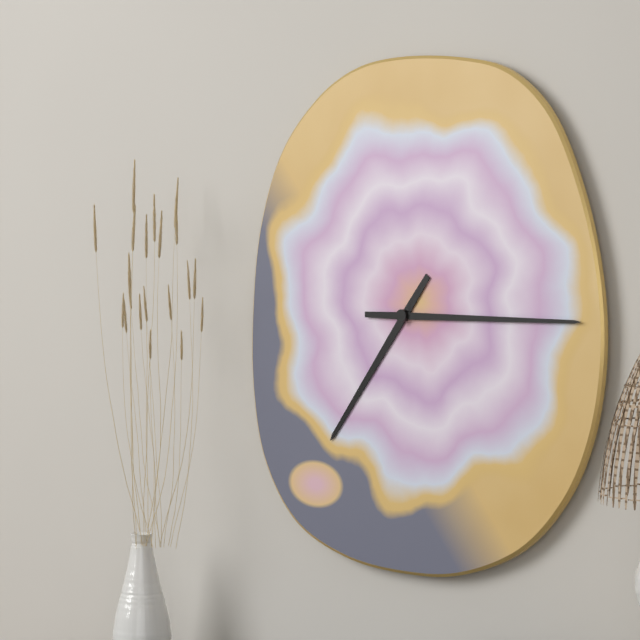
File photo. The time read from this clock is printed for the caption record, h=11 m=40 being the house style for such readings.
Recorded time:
h=7 m=15
